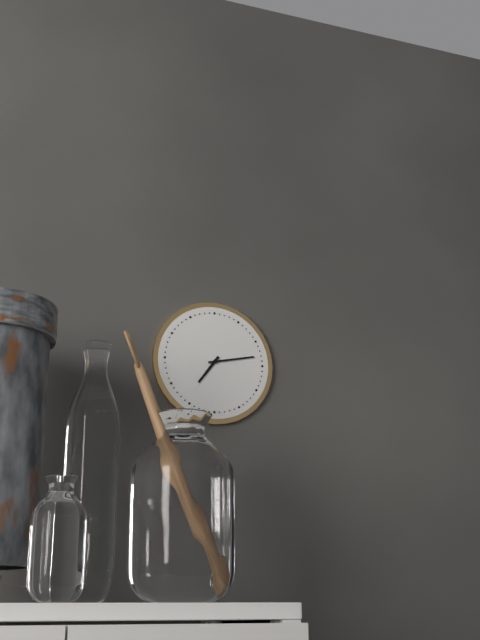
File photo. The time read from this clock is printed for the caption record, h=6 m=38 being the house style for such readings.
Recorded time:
h=7 m=13
